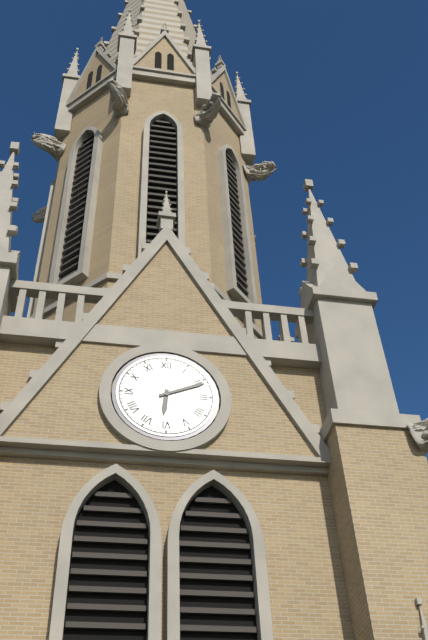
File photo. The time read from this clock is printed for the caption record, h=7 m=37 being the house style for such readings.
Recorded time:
h=6 m=11
